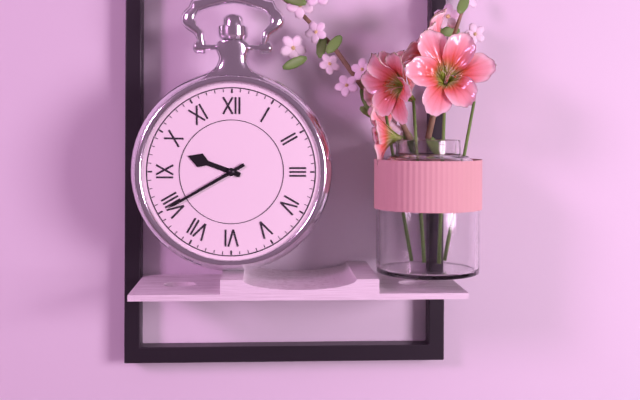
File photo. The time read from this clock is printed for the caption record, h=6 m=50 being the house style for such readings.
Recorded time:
h=9 m=40
